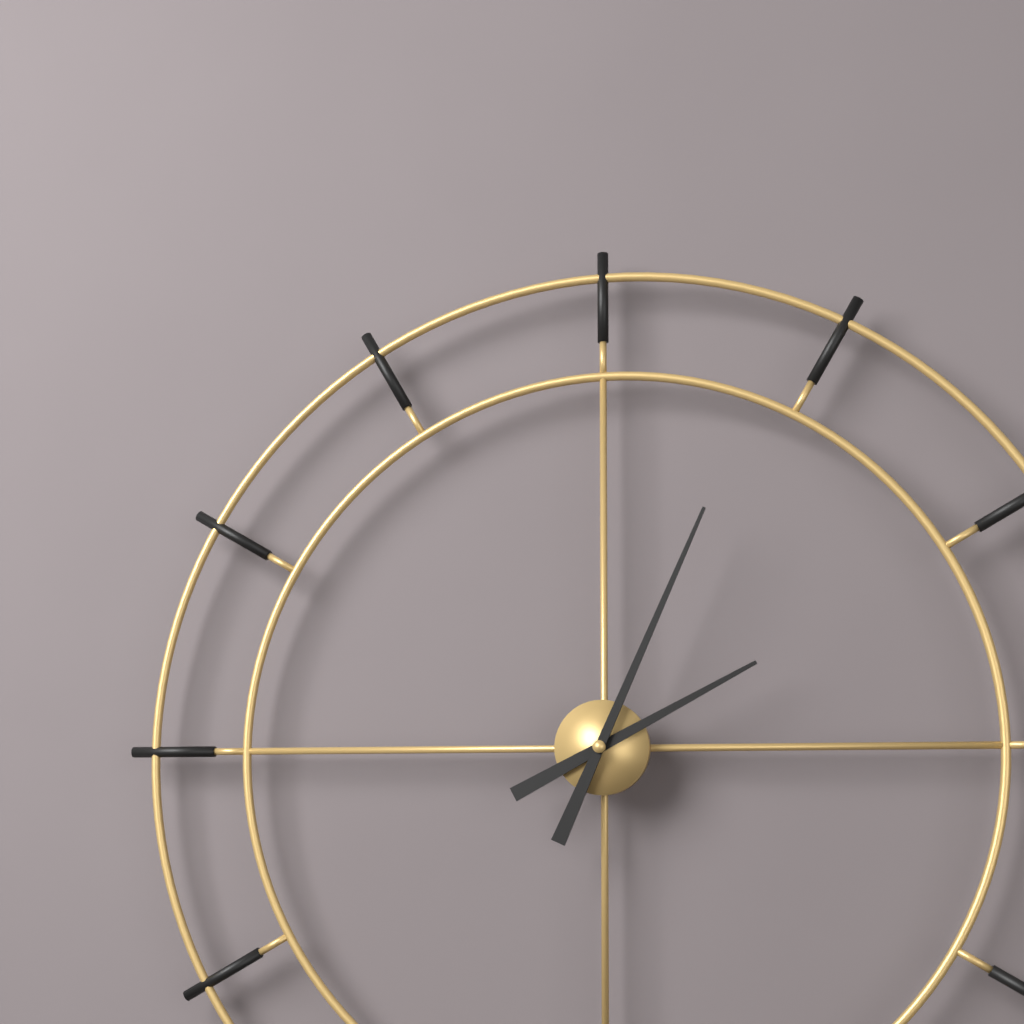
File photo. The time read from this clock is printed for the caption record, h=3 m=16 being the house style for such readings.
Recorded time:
h=2 m=4
